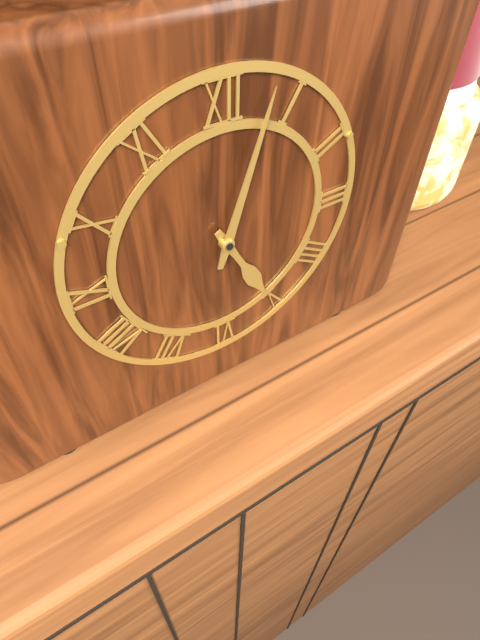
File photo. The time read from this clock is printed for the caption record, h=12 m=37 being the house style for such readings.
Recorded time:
h=5 m=3
